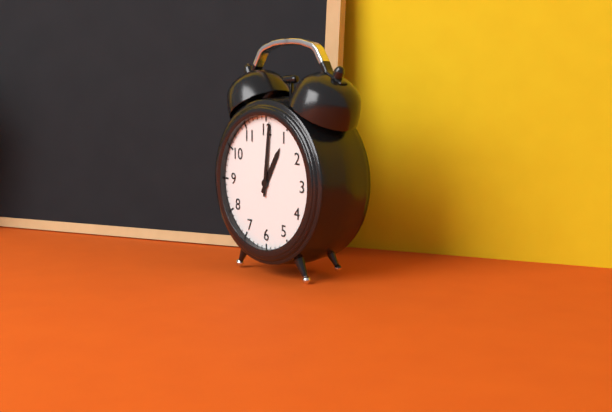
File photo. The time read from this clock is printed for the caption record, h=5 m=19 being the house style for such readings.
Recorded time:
h=1 m=1
